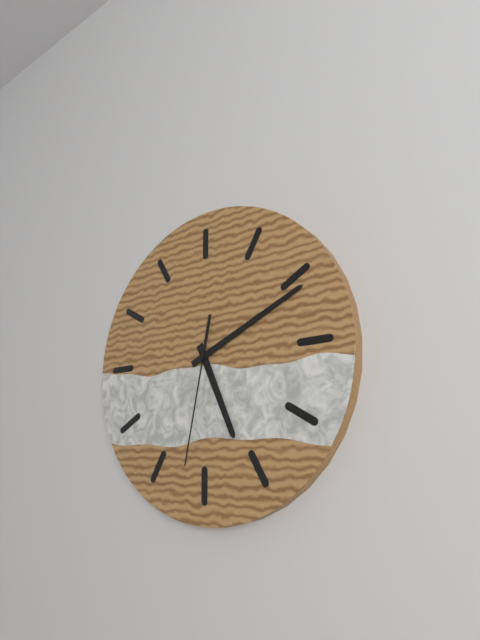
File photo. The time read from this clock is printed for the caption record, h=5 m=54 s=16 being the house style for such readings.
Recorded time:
h=5 m=11 s=32
